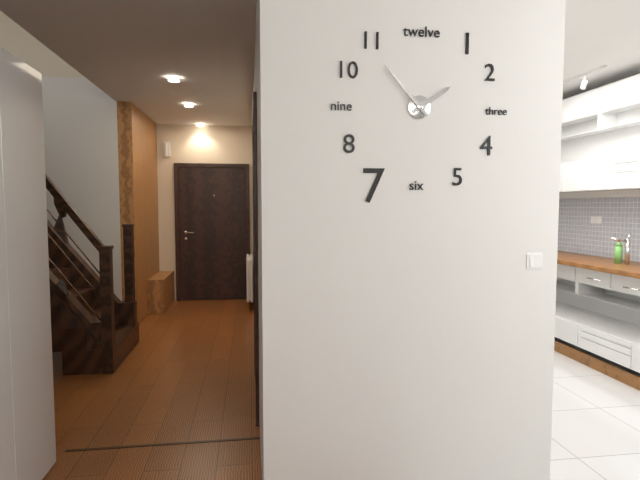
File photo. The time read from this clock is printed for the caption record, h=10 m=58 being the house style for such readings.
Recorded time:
h=1 m=53
